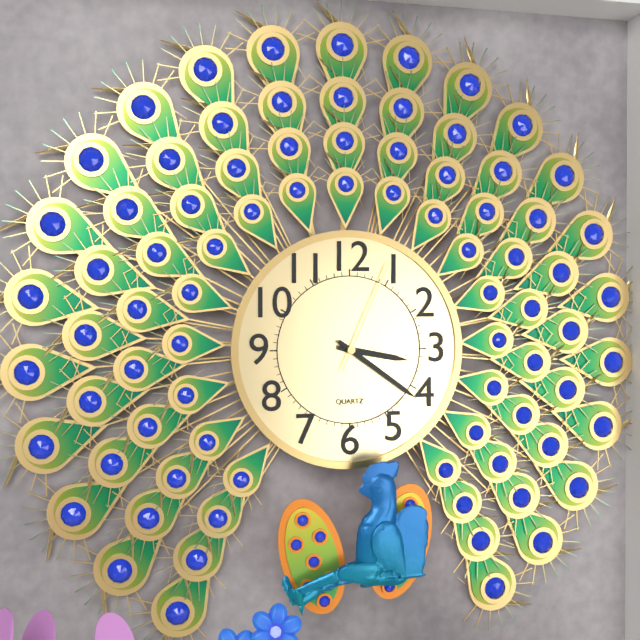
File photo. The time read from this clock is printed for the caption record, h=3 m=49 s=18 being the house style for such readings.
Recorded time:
h=3 m=21 s=4
